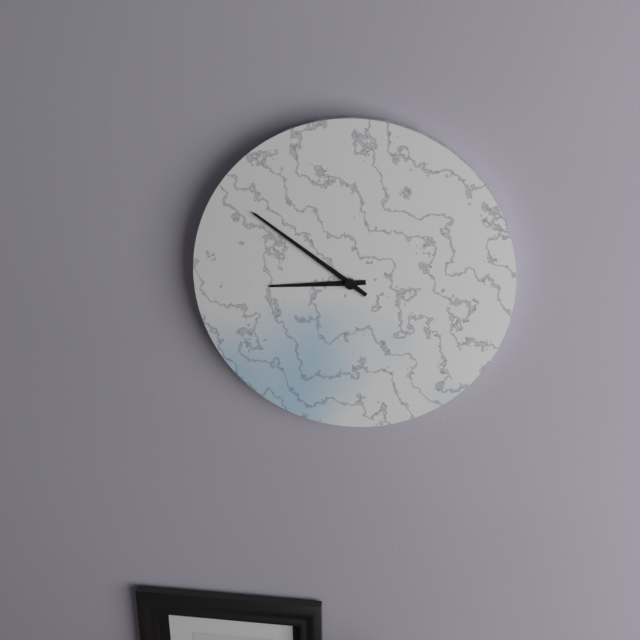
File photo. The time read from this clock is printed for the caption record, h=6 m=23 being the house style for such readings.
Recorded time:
h=8 m=51
